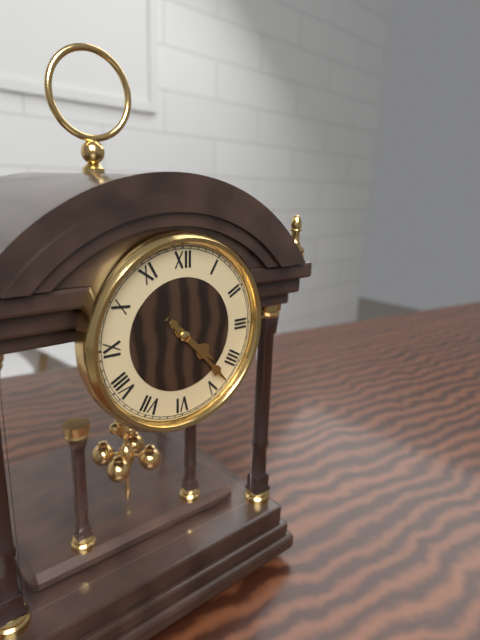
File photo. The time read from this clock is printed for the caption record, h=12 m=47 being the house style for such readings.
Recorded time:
h=4 m=23
